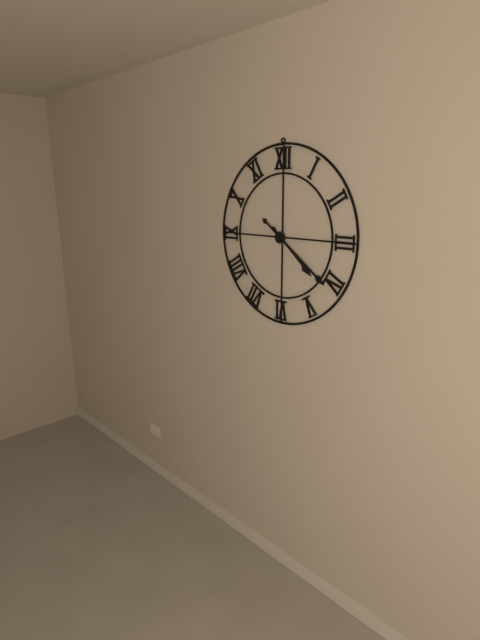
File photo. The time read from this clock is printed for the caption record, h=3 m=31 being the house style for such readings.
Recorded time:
h=4 m=21
